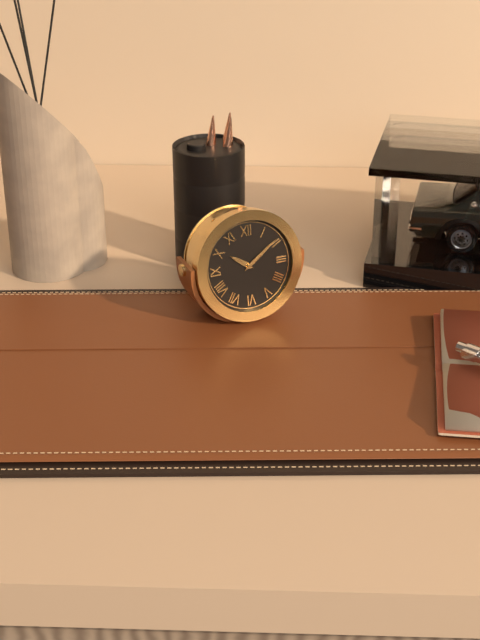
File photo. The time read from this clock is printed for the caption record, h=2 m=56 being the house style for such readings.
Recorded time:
h=10 m=9
